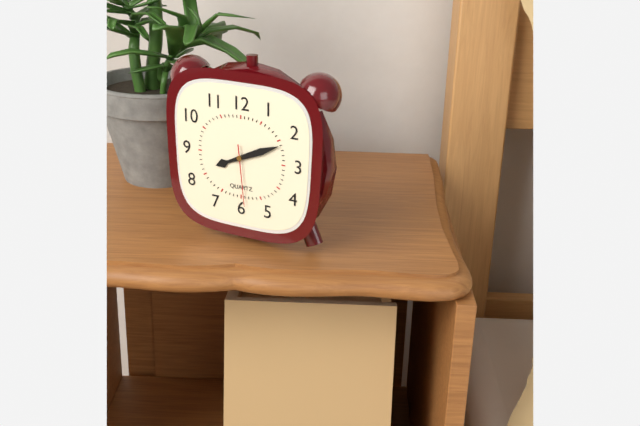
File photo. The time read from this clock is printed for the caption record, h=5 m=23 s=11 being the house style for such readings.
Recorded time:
h=8 m=11 s=29
